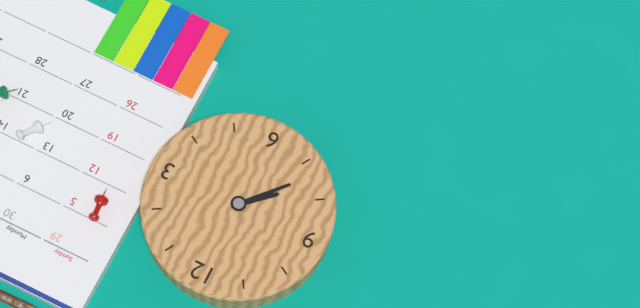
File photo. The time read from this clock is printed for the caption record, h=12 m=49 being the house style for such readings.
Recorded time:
h=7 m=37
